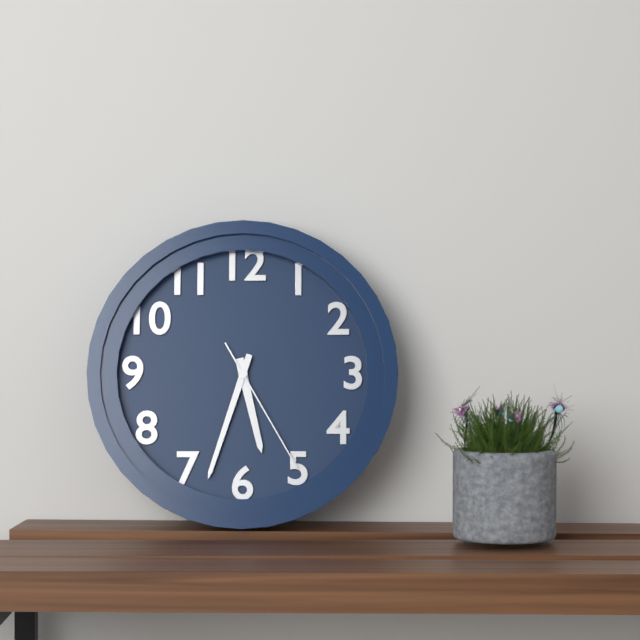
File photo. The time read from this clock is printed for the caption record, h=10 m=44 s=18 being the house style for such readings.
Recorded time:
h=5 m=33 s=25
